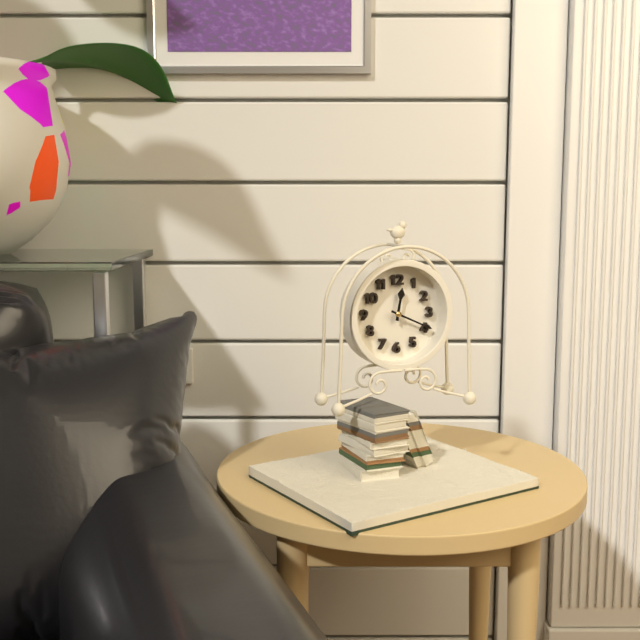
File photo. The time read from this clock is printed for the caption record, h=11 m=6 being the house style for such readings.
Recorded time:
h=12 m=19
